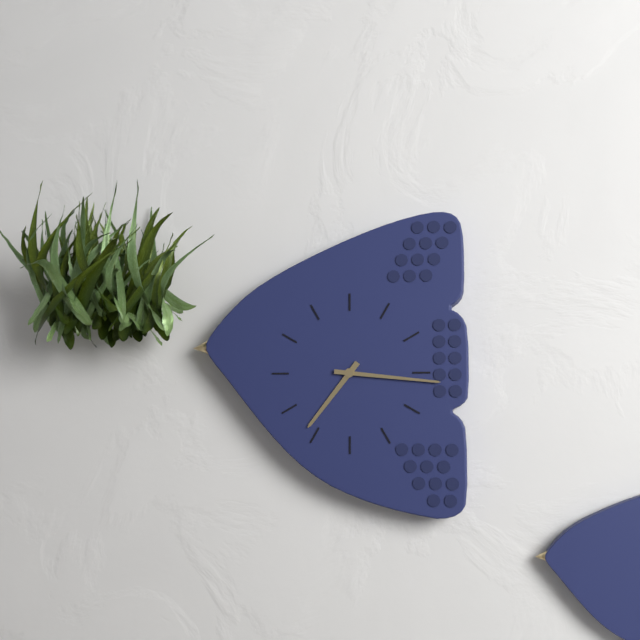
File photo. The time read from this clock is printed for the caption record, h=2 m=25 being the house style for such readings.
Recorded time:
h=7 m=16
